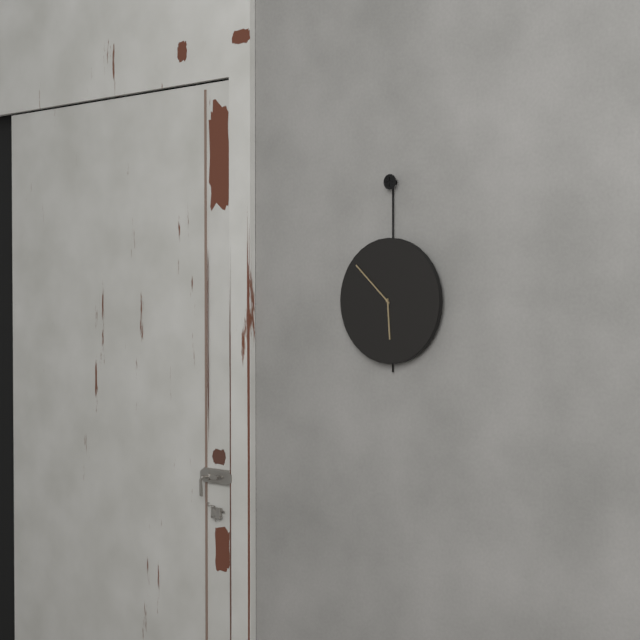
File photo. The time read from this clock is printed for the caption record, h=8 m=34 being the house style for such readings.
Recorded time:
h=5 m=52
